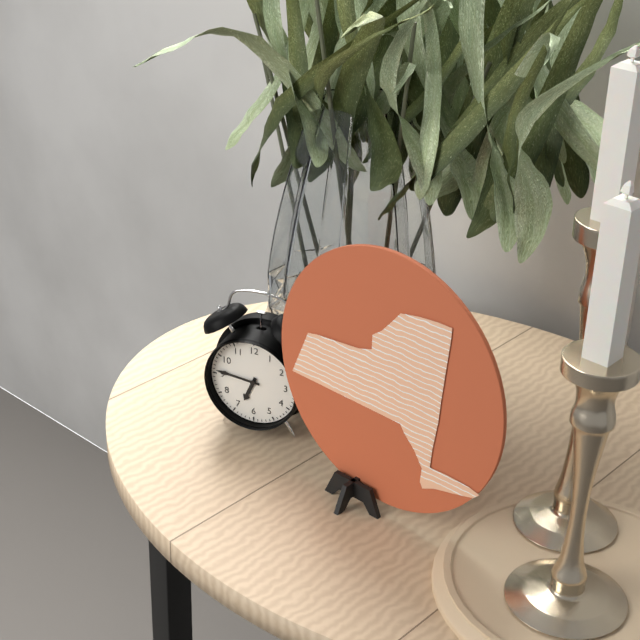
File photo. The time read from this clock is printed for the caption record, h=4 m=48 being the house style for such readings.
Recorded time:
h=6 m=46
